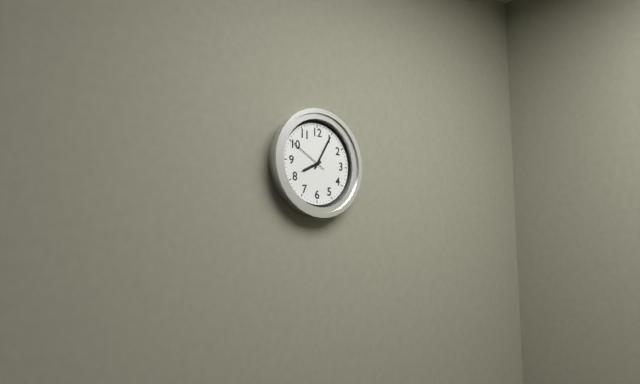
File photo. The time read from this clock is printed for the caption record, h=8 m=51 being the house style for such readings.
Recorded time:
h=8 m=5
